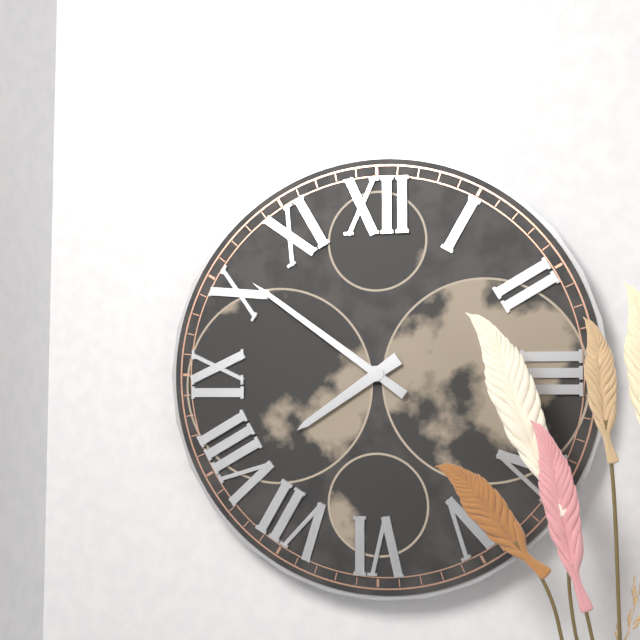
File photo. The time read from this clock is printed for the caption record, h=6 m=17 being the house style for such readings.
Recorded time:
h=7 m=51
